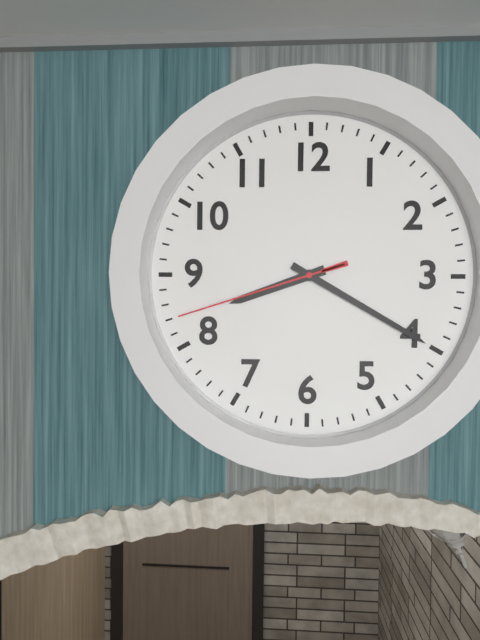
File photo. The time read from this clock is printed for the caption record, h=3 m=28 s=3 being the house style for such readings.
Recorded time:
h=8 m=20 s=42
